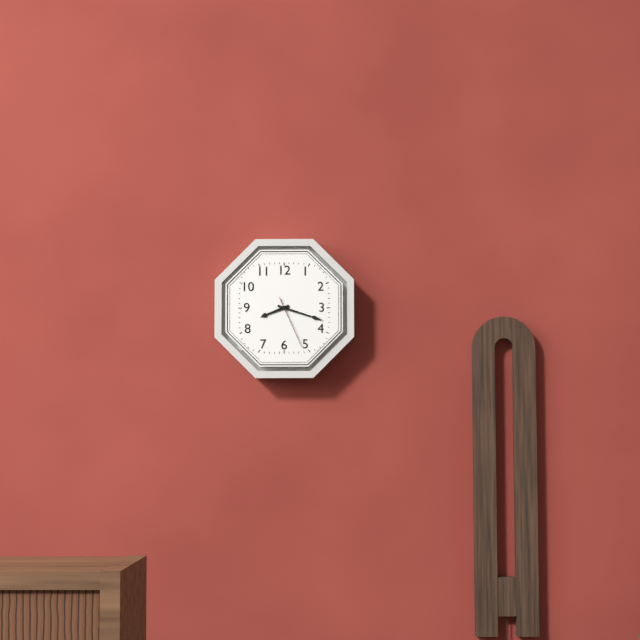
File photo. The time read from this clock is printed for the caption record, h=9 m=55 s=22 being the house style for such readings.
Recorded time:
h=8 m=18 s=26
